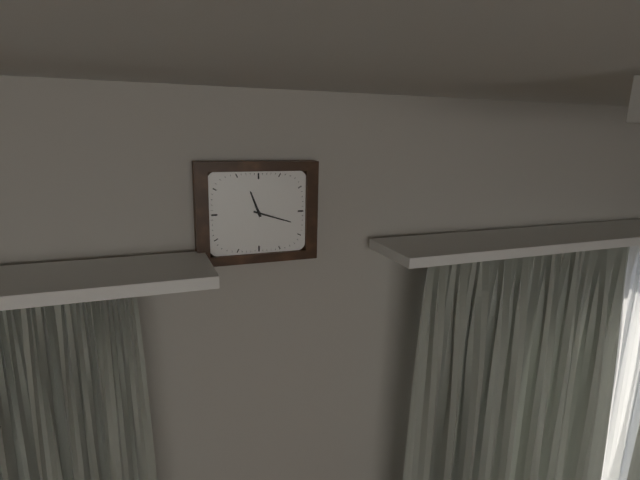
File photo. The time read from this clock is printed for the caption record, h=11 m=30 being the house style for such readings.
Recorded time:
h=11 m=18
